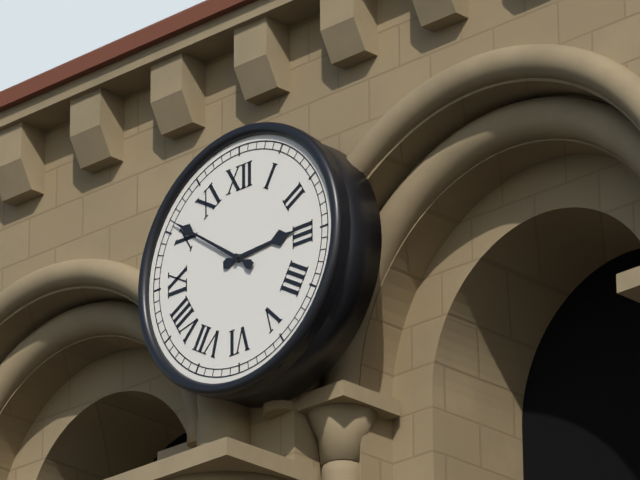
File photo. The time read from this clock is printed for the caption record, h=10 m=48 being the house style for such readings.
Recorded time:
h=2 m=51
